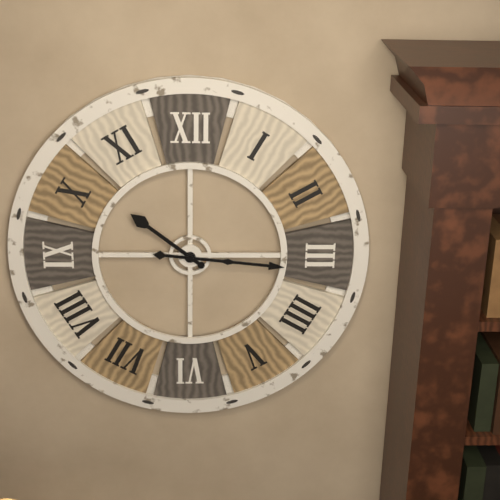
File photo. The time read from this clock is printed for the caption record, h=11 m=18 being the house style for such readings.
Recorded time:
h=10 m=16
